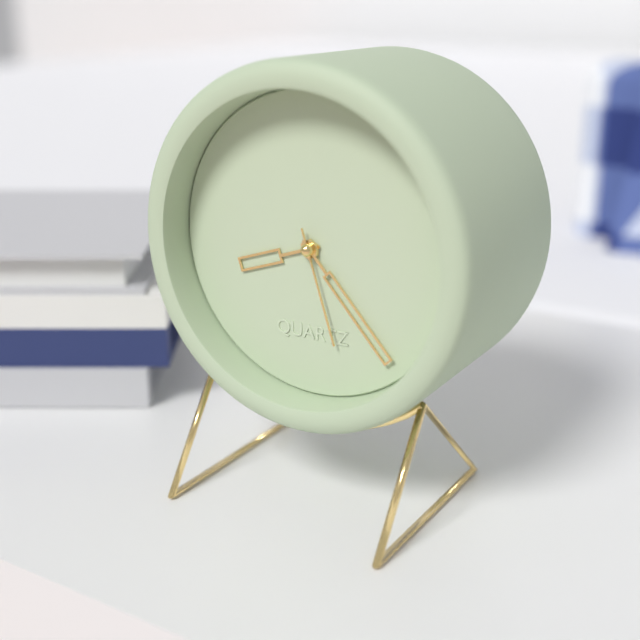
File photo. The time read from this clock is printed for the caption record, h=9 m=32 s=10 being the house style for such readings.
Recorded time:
h=8 m=23 s=27
